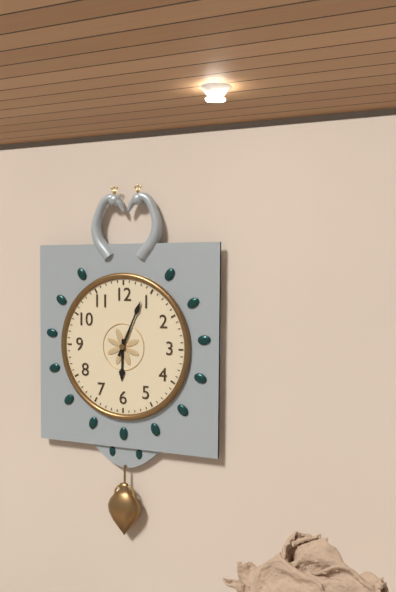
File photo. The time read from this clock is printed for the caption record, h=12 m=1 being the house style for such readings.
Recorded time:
h=6 m=4
